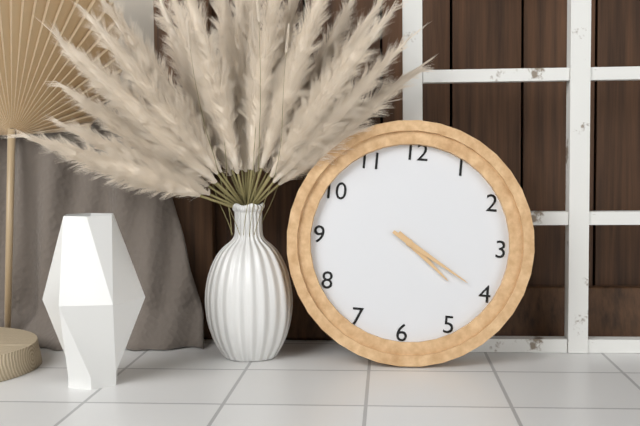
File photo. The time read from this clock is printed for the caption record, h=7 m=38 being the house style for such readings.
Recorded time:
h=4 m=20
